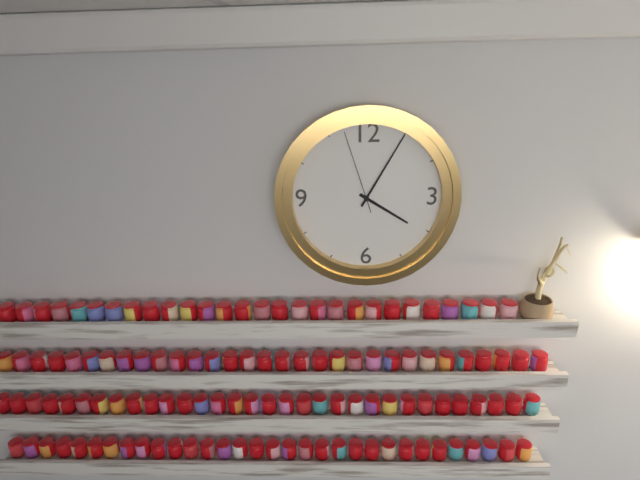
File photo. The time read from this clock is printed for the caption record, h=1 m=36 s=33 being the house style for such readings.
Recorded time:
h=4 m=5 s=57
